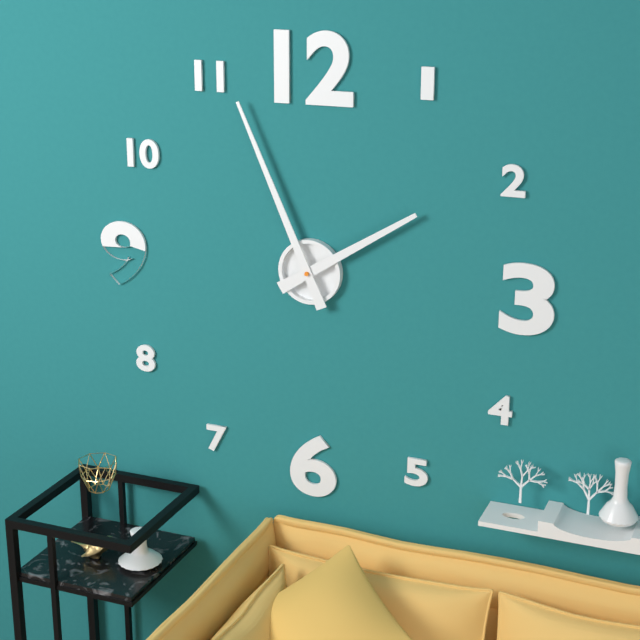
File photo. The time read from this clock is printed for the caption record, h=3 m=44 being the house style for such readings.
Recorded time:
h=1 m=56
